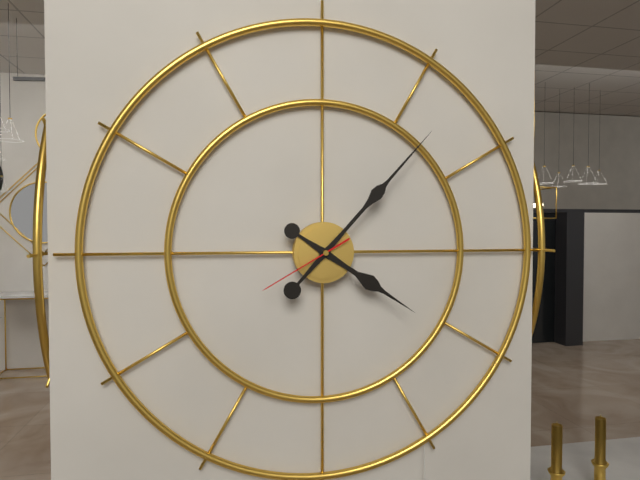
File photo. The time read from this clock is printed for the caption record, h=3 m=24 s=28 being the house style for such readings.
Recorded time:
h=4 m=7 s=40
